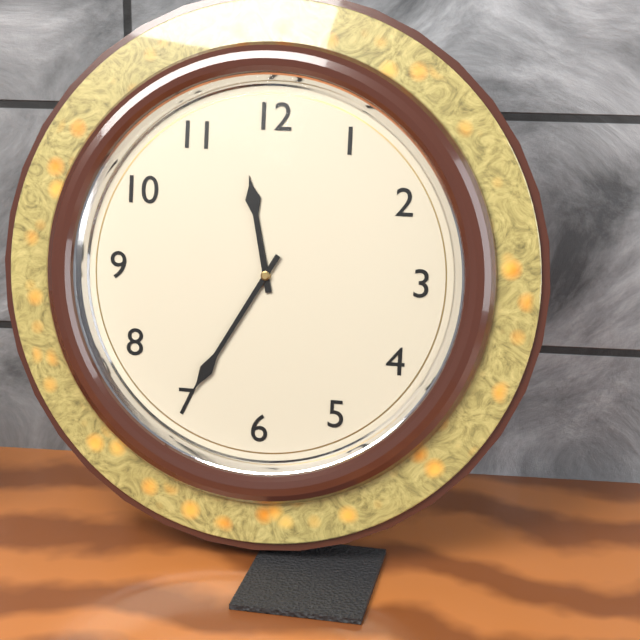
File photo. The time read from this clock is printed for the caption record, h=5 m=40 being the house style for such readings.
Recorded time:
h=11 m=35
